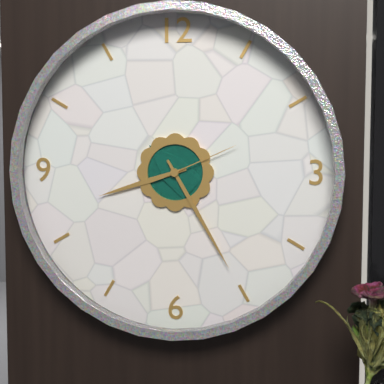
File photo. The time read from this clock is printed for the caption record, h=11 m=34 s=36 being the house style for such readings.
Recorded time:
h=8 m=25 s=11
